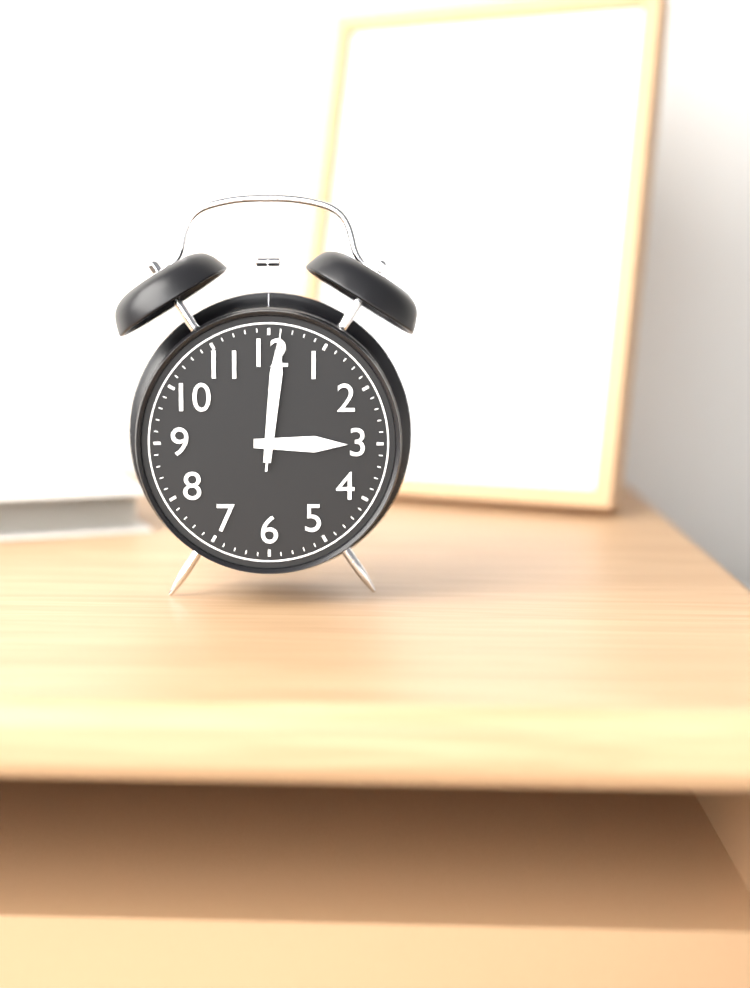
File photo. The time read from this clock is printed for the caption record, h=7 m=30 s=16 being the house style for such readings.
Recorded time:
h=3 m=1 s=1
